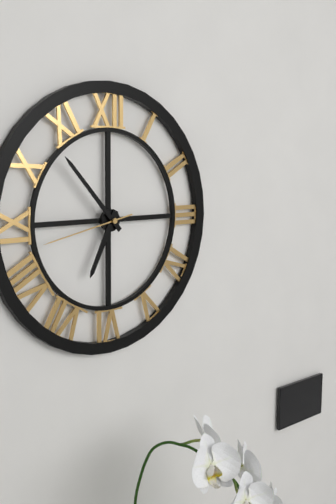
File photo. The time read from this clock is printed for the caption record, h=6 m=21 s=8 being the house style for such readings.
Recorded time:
h=6 m=53 s=43
